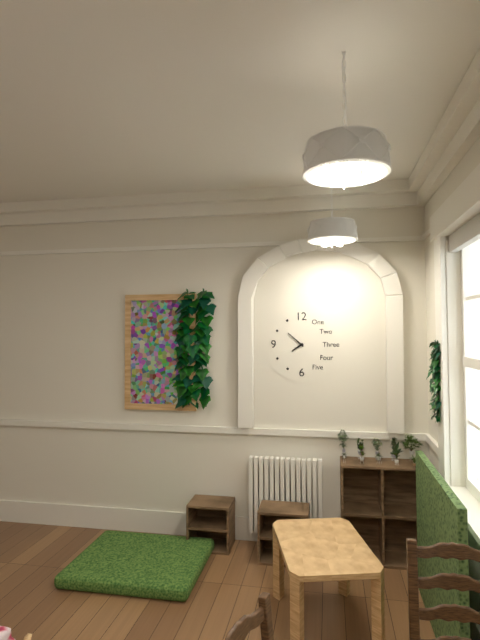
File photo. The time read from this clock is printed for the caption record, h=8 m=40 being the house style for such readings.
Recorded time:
h=7 m=52
